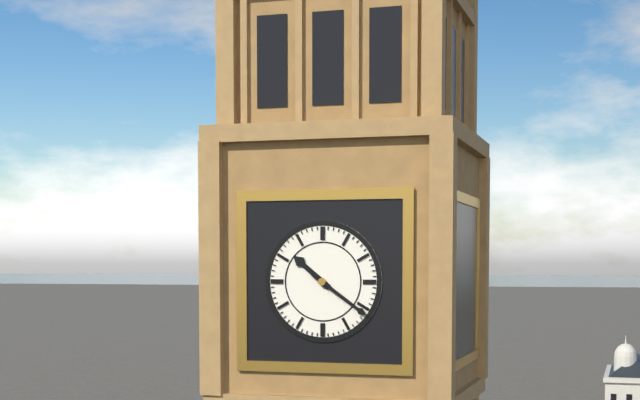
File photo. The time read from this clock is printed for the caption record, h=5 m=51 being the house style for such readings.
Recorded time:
h=10 m=21
